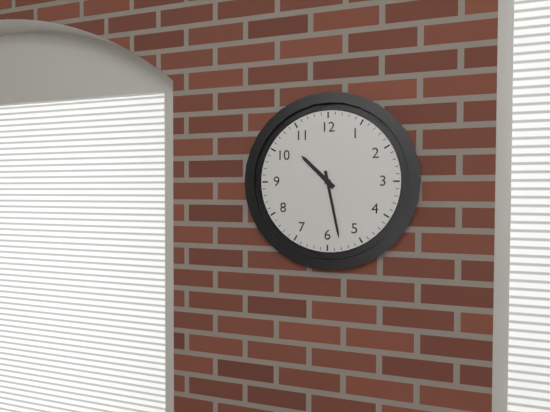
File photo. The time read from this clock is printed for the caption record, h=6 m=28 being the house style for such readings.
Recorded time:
h=10 m=28
